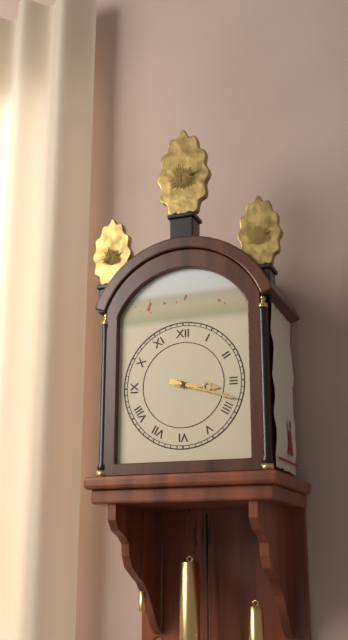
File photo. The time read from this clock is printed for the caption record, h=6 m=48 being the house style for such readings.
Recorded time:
h=3 m=18
